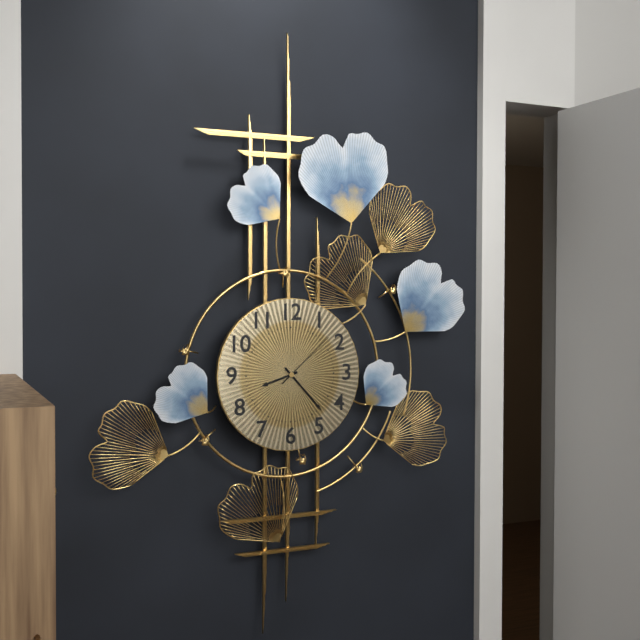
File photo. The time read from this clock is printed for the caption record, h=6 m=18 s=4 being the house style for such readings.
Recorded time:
h=8 m=23 s=8
